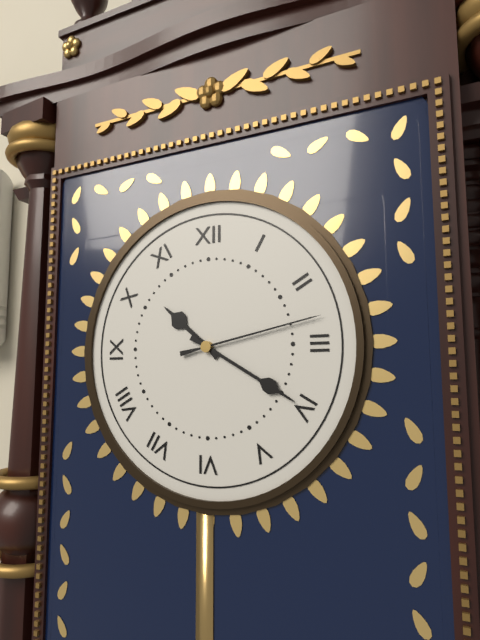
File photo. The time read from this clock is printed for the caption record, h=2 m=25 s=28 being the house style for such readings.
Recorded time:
h=10 m=20 s=13
